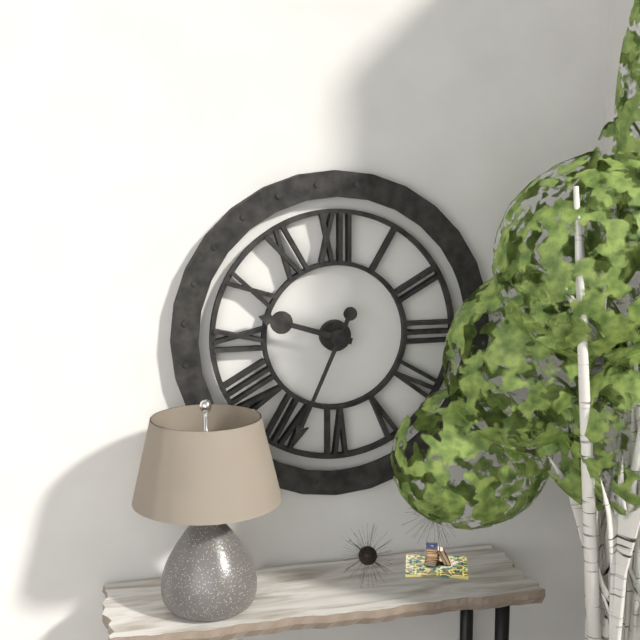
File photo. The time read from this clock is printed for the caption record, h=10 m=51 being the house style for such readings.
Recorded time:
h=9 m=34
